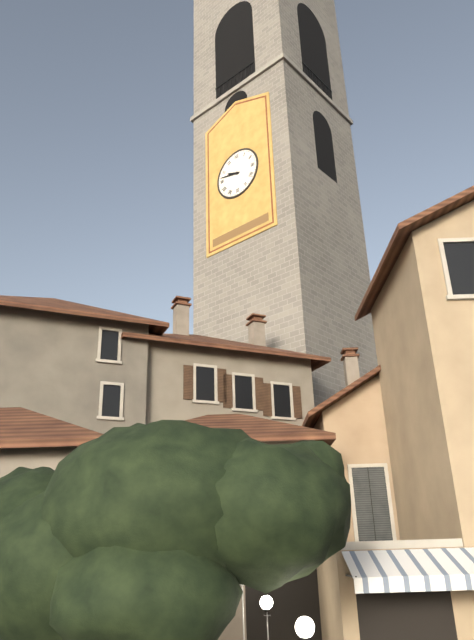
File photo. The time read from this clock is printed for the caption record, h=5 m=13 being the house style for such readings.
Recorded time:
h=9 m=47
